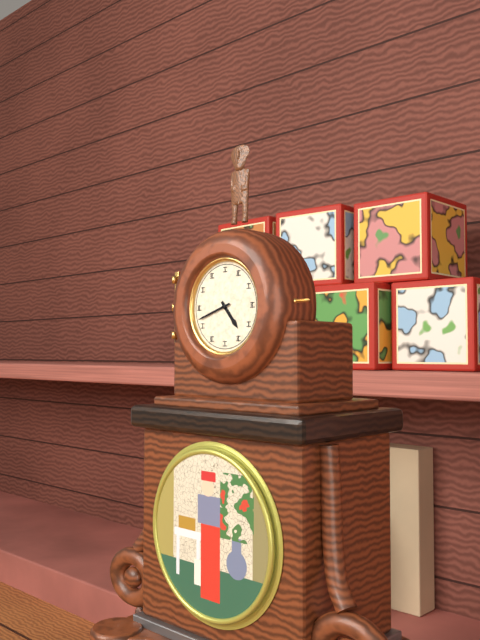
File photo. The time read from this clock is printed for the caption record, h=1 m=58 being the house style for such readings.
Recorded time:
h=4 m=42
